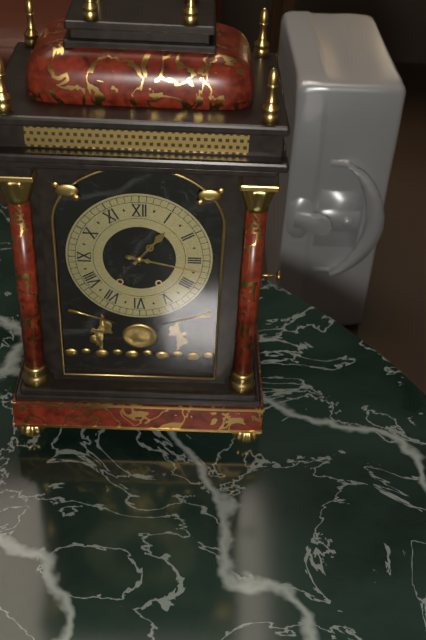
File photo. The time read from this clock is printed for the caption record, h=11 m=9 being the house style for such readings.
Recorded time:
h=1 m=17
